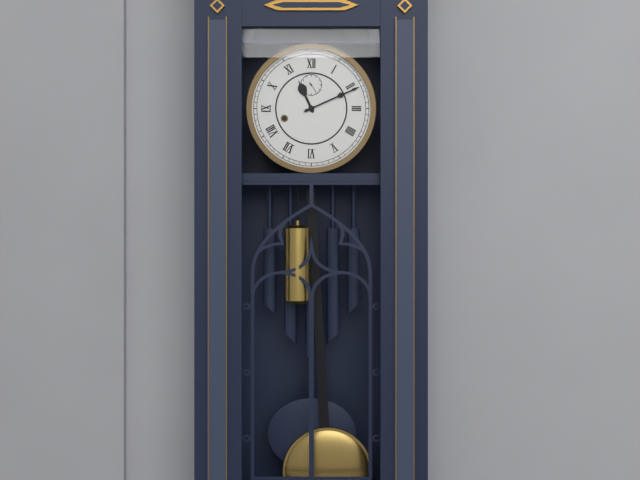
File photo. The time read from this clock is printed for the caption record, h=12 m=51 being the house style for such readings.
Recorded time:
h=11 m=11
